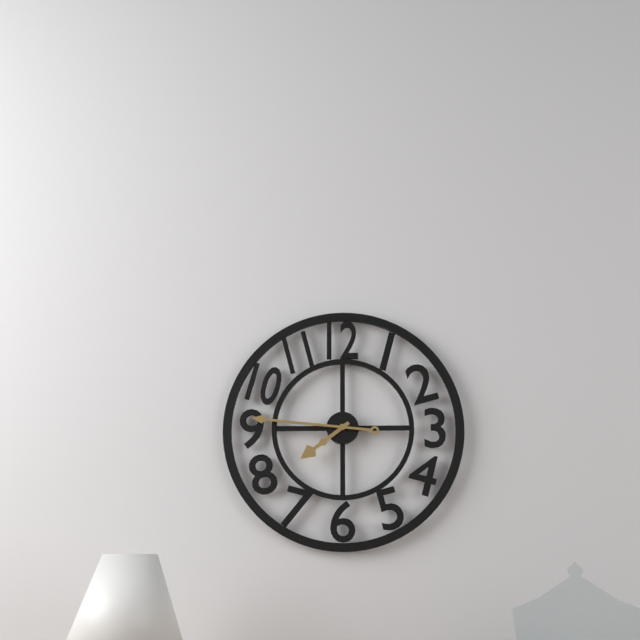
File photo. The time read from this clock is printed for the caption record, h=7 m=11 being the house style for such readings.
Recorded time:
h=7 m=46
